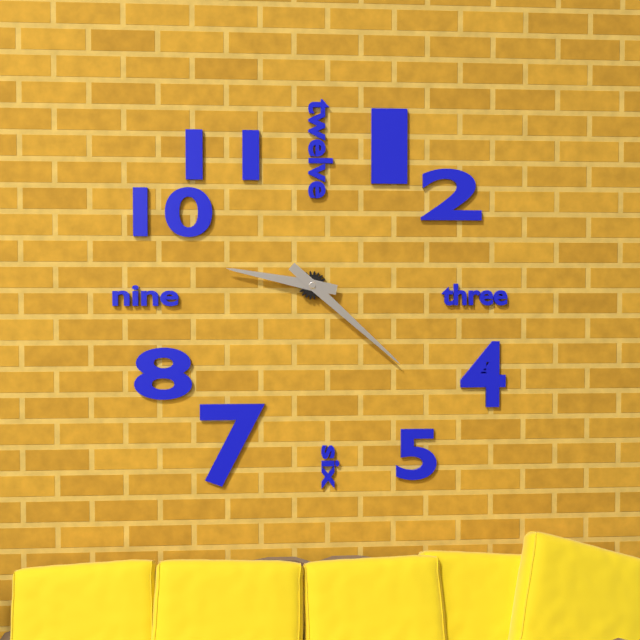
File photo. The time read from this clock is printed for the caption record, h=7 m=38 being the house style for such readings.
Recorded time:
h=9 m=22
